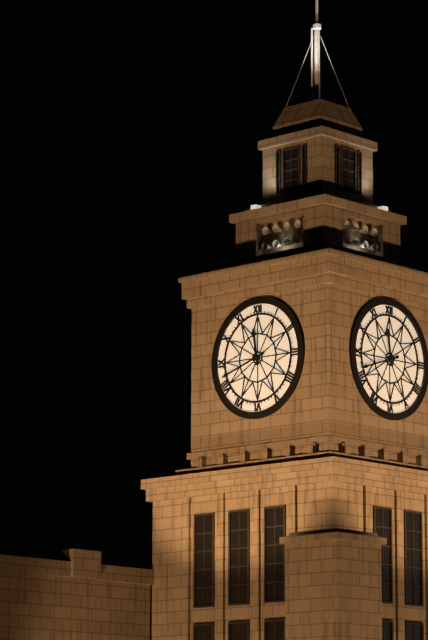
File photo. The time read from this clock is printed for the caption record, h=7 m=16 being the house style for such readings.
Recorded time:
h=11 m=42
